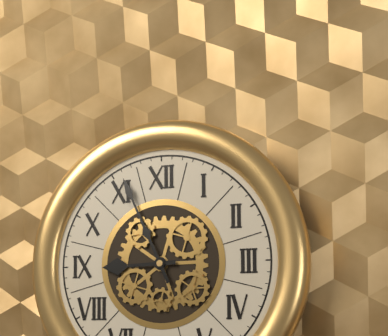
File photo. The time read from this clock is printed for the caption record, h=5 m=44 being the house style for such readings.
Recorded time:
h=8 m=56
